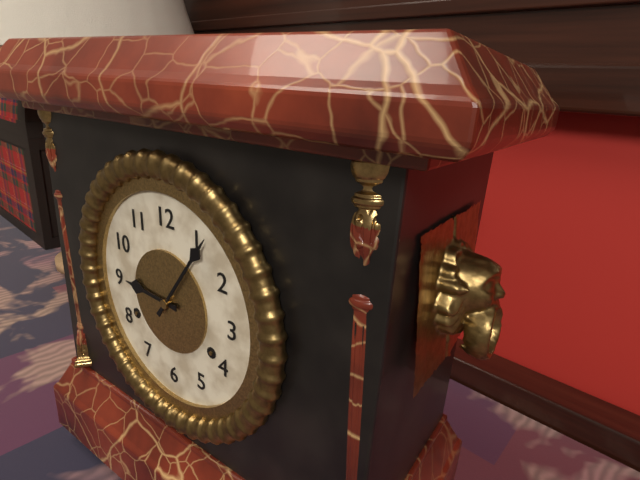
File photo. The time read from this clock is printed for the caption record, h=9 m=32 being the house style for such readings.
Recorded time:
h=9 m=6
